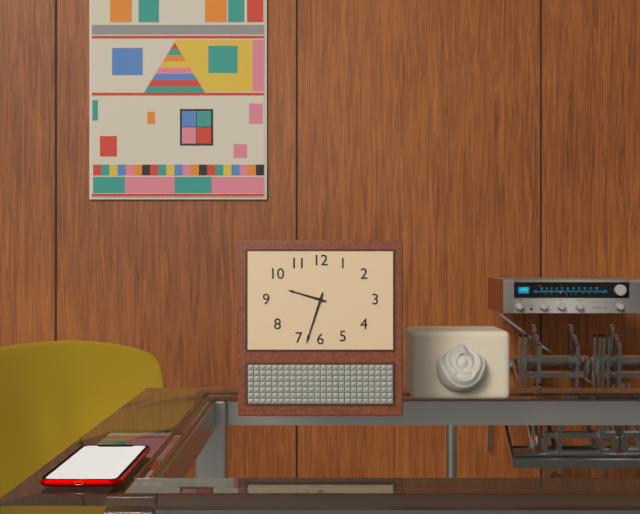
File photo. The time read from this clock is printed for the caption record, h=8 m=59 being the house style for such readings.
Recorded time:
h=9 m=33
